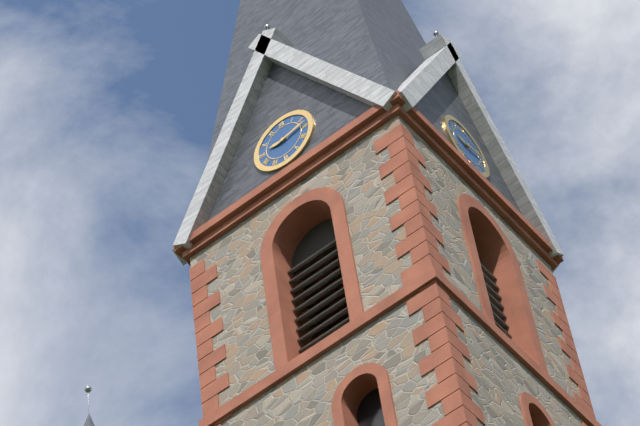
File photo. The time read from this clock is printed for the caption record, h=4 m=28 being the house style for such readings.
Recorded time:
h=9 m=13
